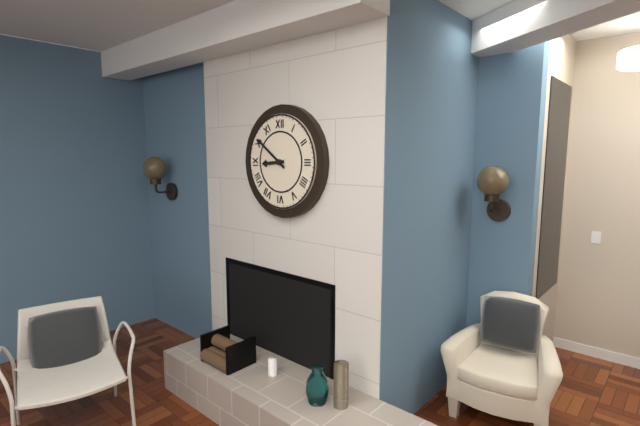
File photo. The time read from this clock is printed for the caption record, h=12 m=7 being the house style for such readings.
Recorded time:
h=8 m=51
